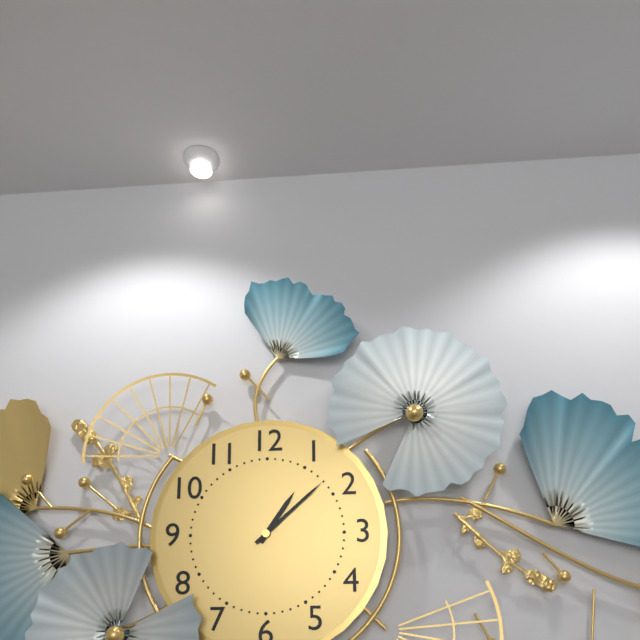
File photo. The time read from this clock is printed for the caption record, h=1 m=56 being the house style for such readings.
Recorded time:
h=1 m=8
